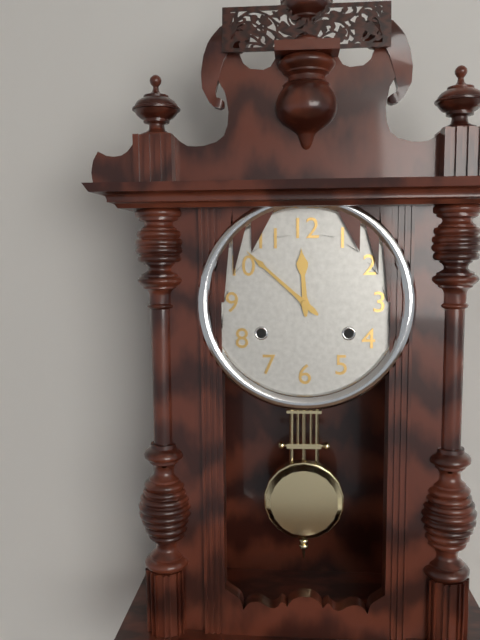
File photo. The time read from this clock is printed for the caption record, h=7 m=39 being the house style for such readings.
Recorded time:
h=11 m=52
